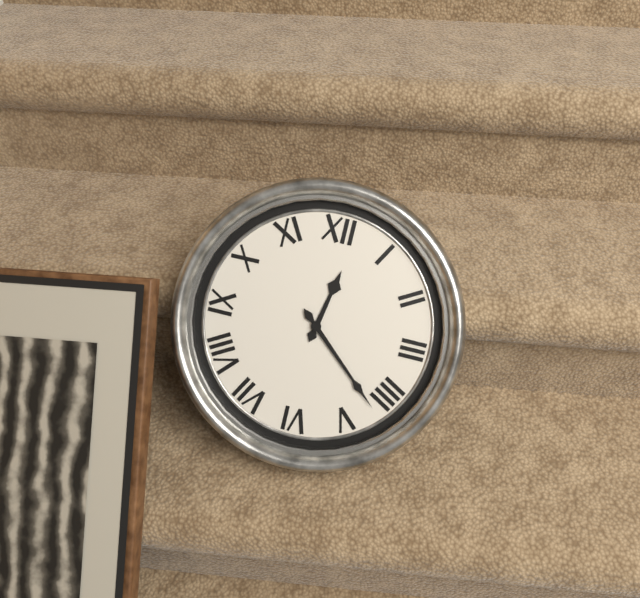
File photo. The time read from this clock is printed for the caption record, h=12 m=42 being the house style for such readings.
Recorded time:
h=12 m=22
